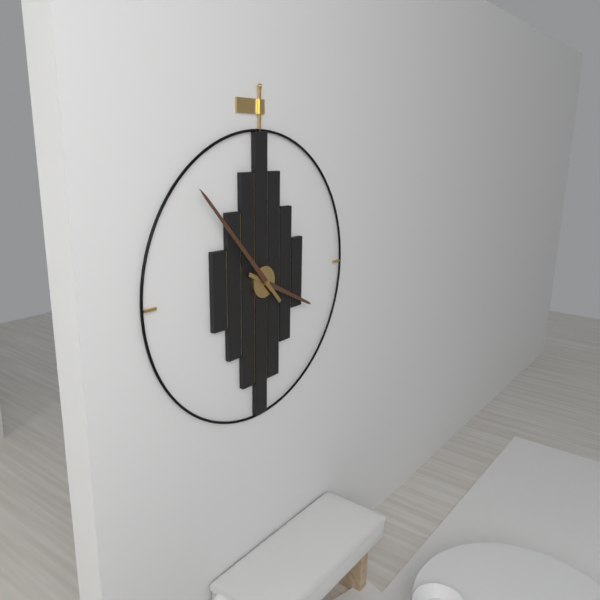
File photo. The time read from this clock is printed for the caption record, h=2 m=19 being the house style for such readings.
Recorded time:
h=3 m=53
